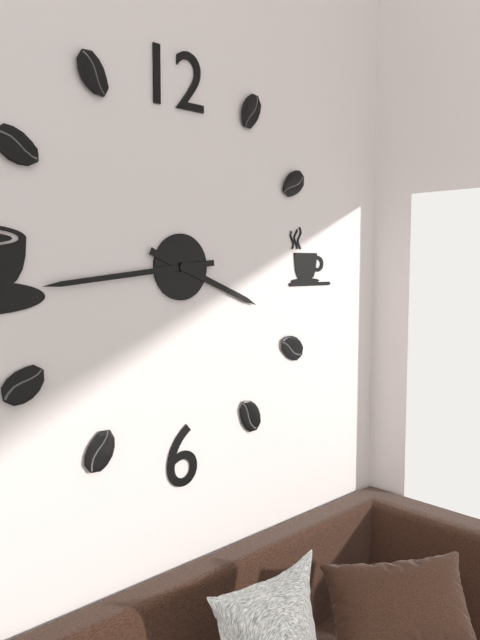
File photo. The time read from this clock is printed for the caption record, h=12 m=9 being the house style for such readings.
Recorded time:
h=3 m=44
